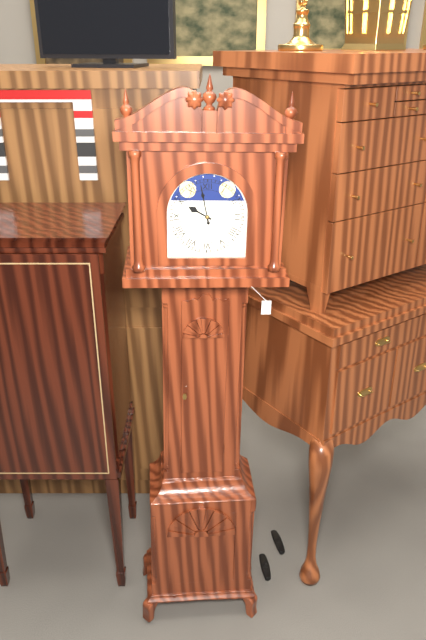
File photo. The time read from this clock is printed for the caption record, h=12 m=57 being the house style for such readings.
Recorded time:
h=9 m=58
